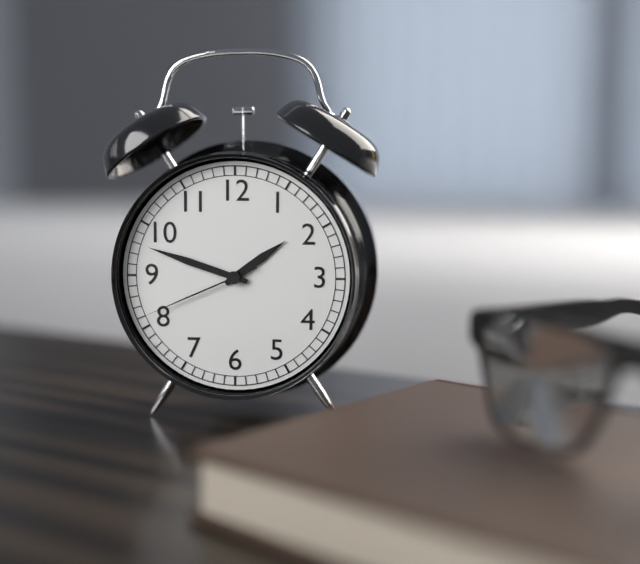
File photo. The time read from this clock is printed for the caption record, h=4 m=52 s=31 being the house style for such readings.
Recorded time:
h=1 m=48 s=41
